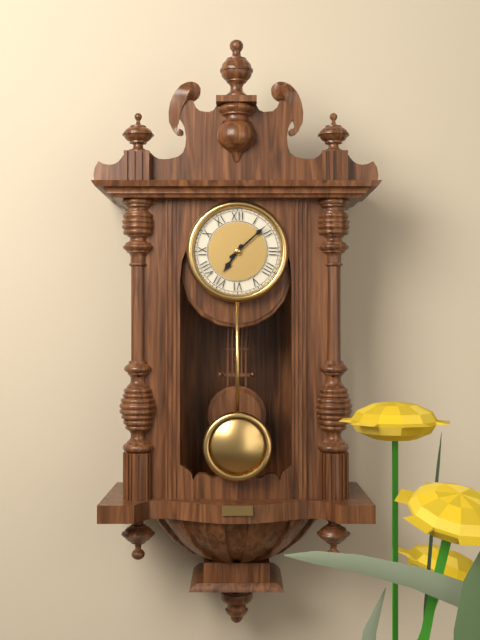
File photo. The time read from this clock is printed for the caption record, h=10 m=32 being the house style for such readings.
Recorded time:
h=7 m=8
